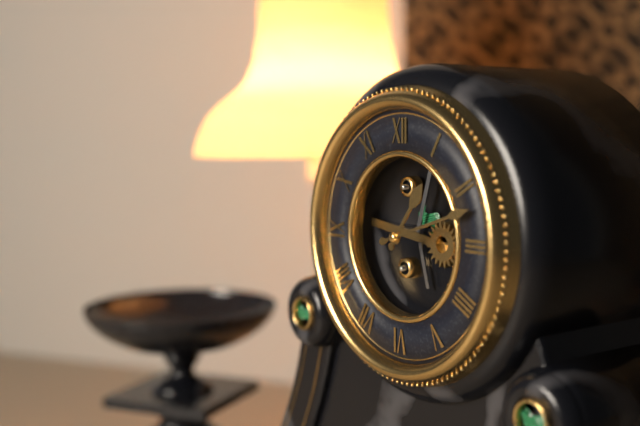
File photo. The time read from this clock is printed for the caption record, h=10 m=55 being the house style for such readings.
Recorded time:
h=1 m=12
